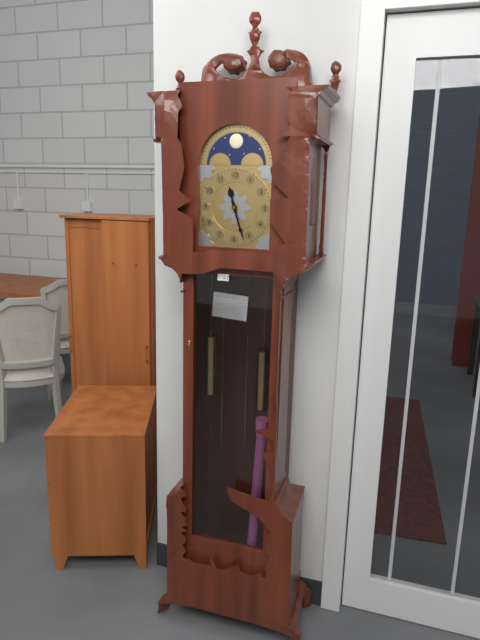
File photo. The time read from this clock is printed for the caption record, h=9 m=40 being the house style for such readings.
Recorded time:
h=11 m=27
